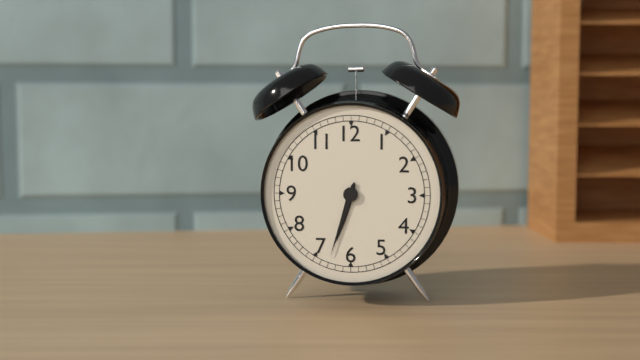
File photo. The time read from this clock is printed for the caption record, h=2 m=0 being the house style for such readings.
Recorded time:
h=6 m=33
